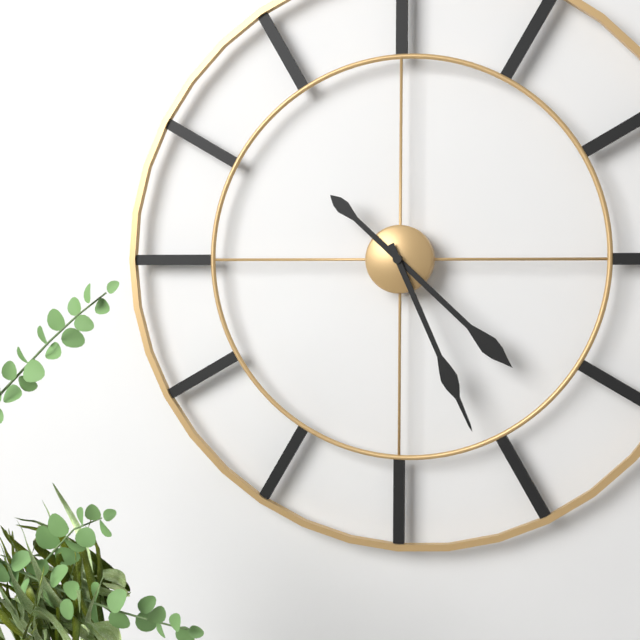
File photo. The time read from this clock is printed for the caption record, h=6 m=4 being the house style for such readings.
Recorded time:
h=4 m=26
